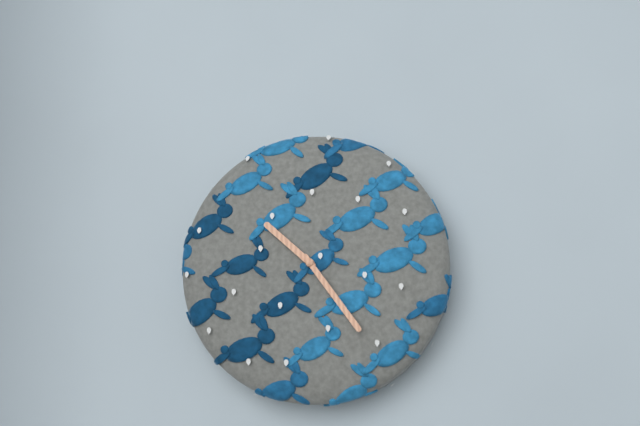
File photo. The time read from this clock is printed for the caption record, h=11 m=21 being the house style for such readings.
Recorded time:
h=10 m=24
